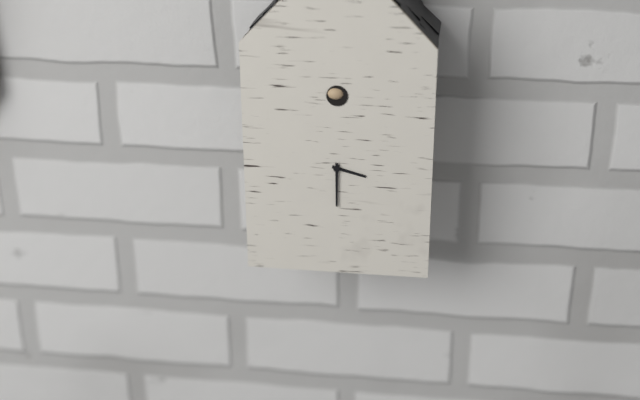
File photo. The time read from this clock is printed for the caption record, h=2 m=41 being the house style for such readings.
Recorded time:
h=3 m=30
